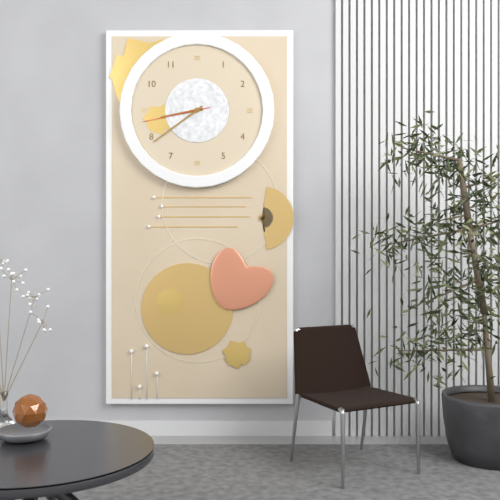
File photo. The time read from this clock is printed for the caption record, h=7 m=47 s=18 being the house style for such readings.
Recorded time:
h=8 m=39 s=43
